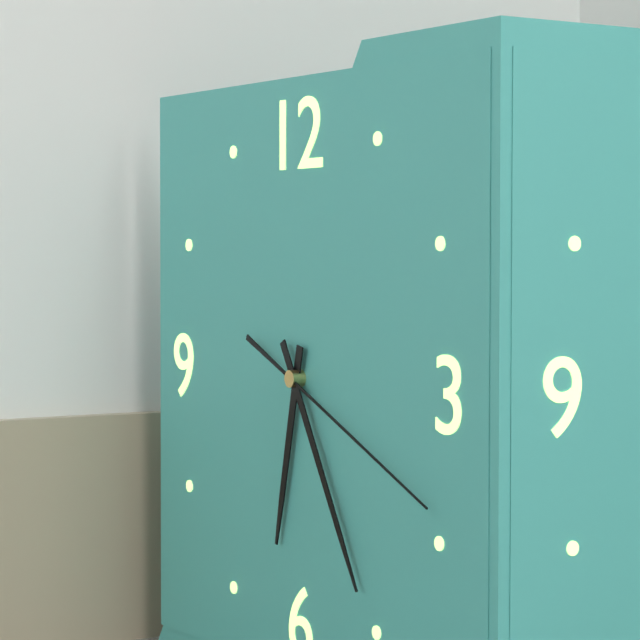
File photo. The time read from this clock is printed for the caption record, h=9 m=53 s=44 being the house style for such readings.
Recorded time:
h=6 m=25 s=19
